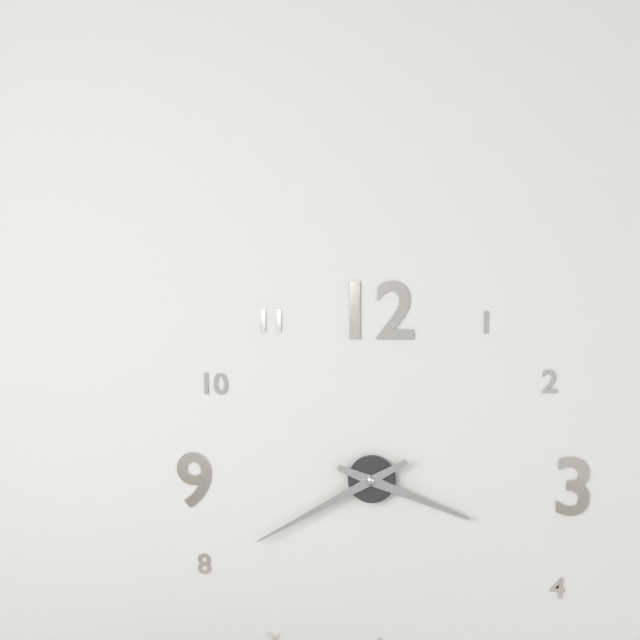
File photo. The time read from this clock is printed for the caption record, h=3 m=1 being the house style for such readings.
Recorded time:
h=3 m=40
